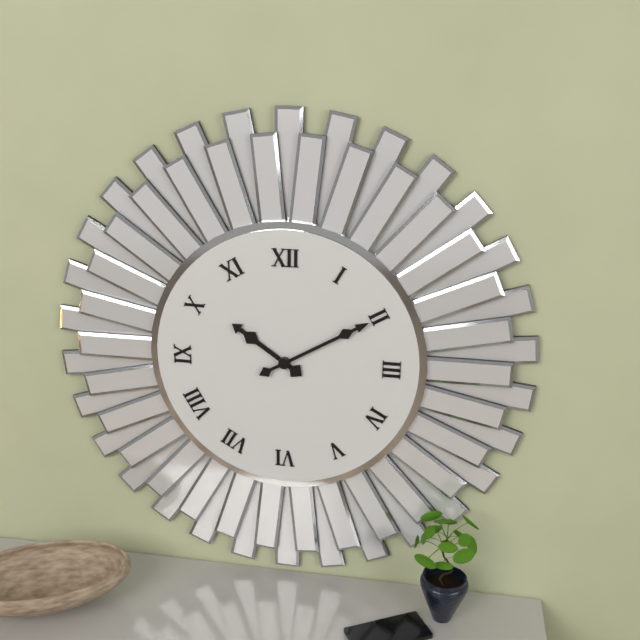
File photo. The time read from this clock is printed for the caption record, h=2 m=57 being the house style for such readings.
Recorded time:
h=10 m=10
